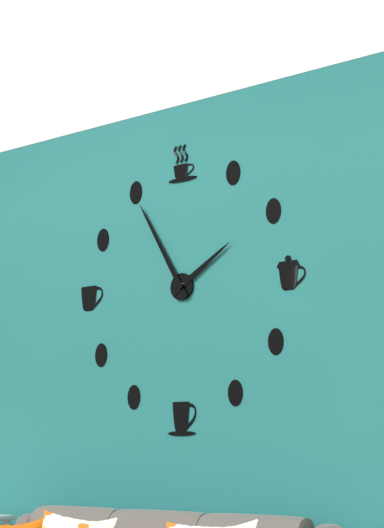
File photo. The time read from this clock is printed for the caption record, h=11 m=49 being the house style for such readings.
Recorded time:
h=1 m=55
